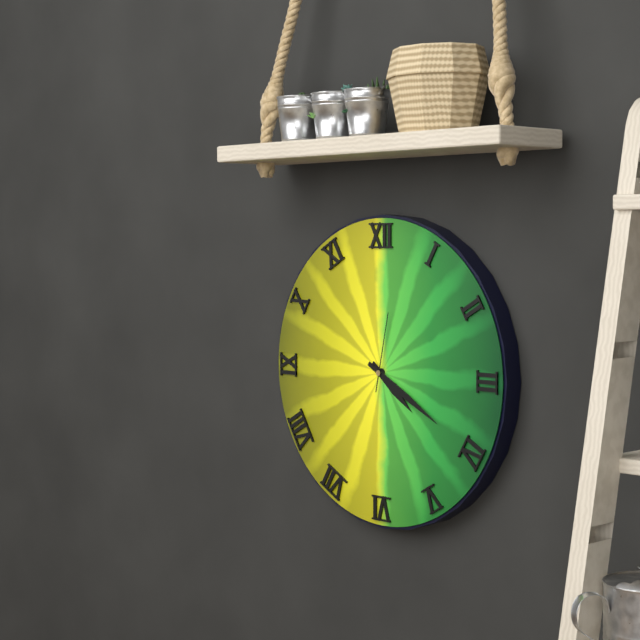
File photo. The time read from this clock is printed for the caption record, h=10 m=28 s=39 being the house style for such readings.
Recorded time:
h=4 m=20 s=2
